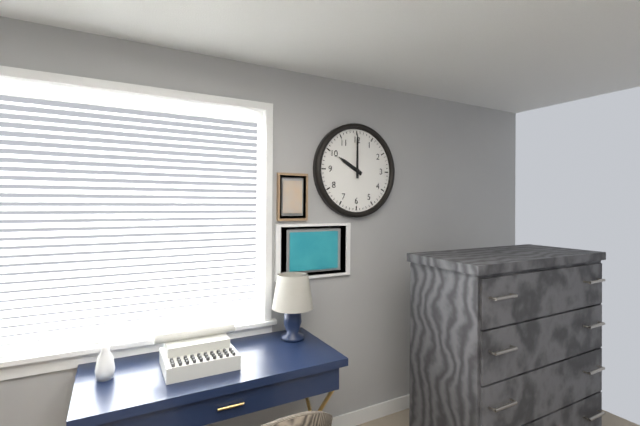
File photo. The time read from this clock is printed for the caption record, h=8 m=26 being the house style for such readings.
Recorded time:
h=10 m=0
